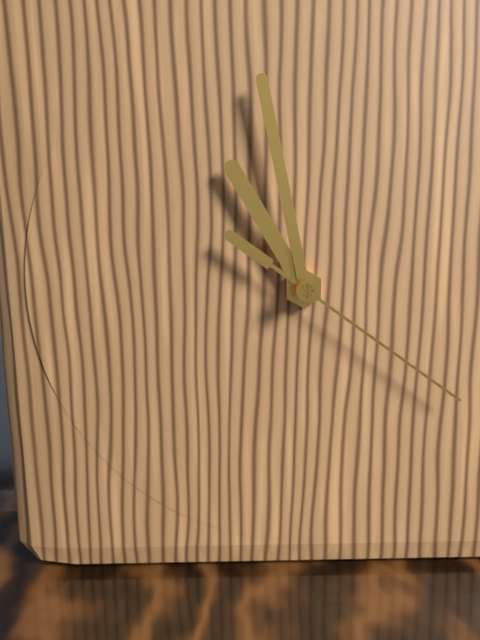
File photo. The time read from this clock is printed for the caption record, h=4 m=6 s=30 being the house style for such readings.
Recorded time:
h=10 m=58 s=21
